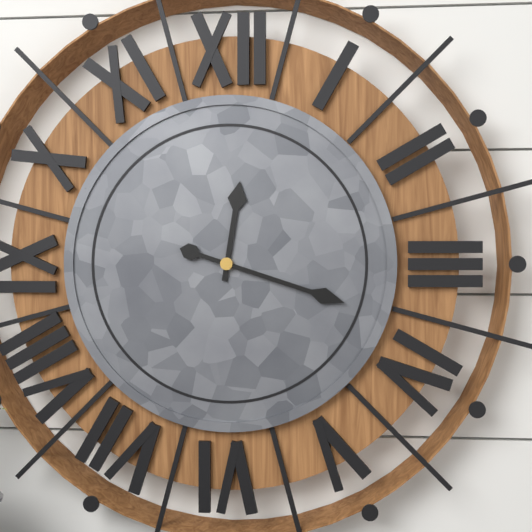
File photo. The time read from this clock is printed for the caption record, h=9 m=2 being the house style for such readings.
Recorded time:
h=12 m=18
